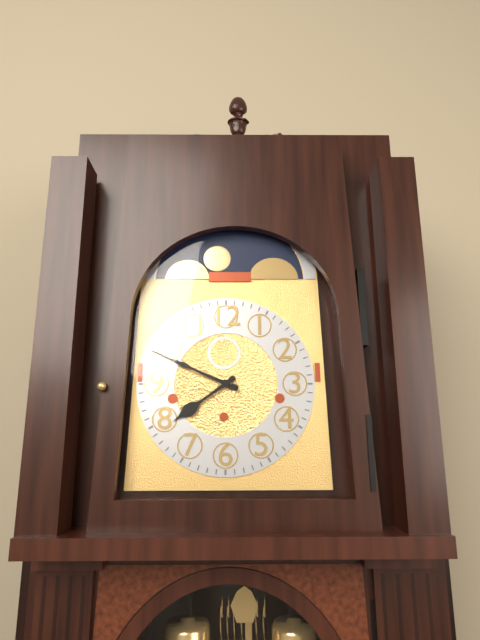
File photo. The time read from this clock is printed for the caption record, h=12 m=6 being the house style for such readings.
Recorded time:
h=7 m=49
